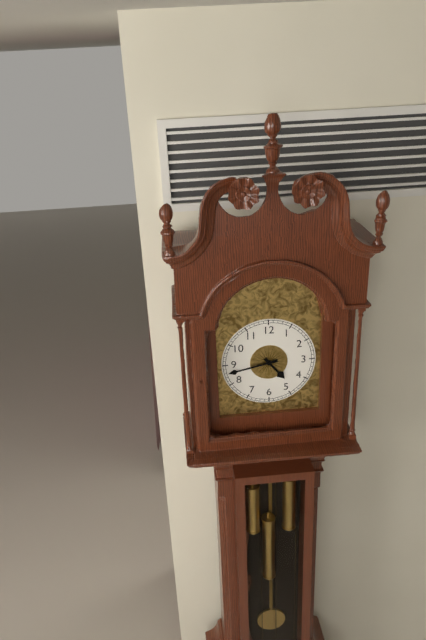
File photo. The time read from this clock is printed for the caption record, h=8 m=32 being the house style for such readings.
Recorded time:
h=4 m=43
